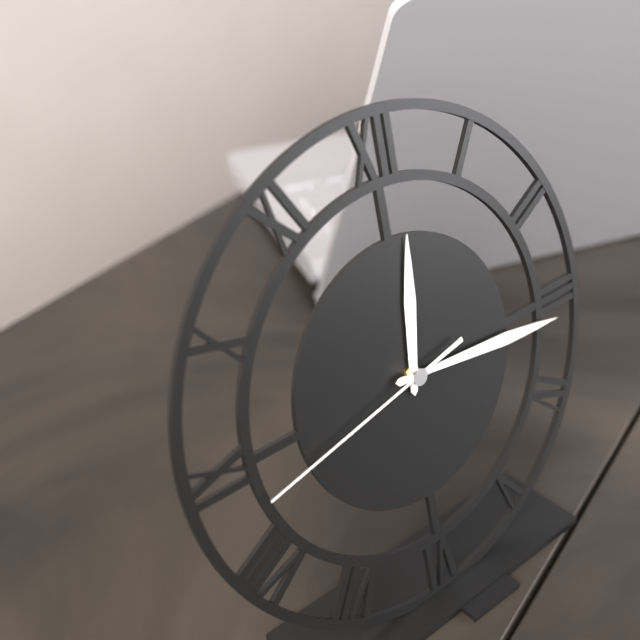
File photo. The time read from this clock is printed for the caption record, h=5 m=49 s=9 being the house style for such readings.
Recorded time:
h=12 m=16 s=43
